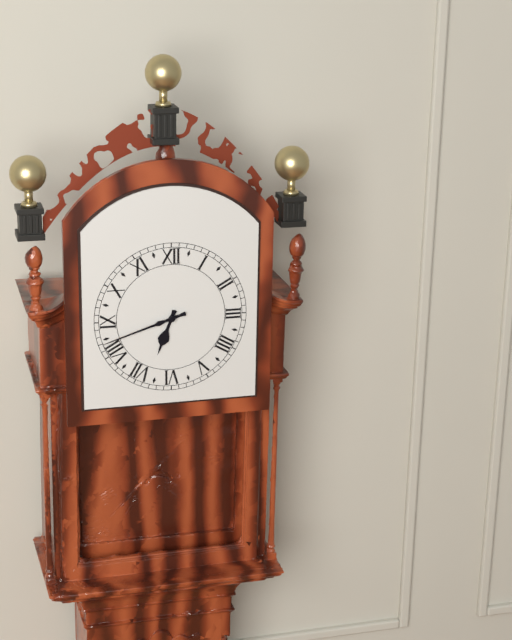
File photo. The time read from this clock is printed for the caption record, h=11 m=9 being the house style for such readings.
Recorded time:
h=6 m=42
